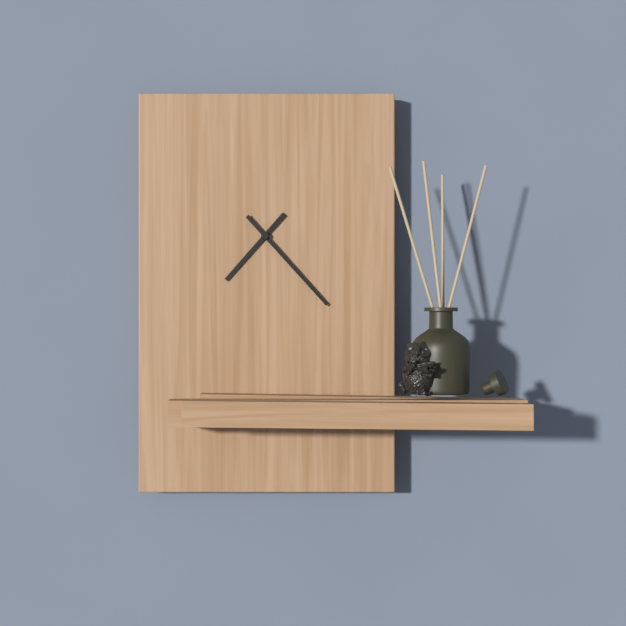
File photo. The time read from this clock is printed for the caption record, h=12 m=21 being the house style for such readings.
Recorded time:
h=7 m=23
